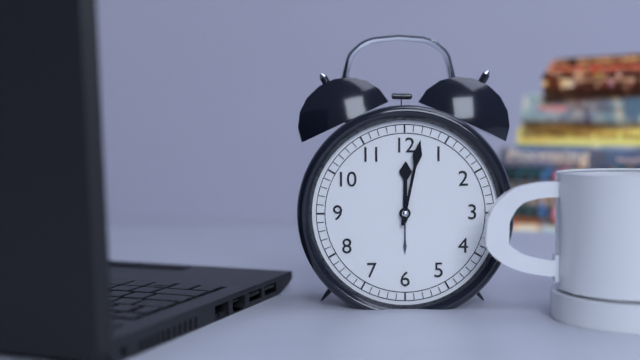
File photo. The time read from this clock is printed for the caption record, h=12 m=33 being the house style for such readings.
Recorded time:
h=12 m=2
